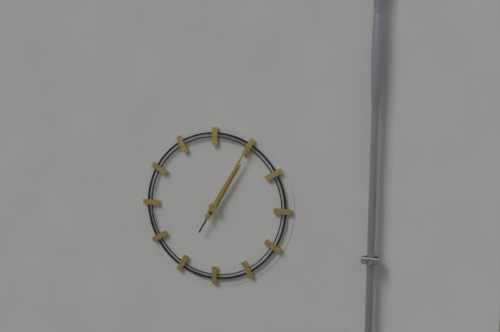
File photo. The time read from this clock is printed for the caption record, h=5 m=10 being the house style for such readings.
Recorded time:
h=1 m=5
